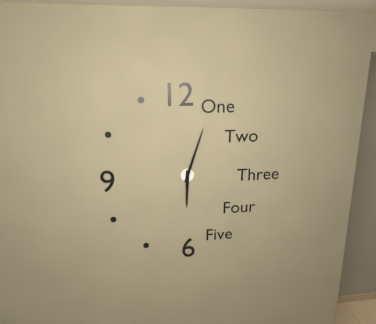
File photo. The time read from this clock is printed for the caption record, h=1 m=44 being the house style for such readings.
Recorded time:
h=6 m=3
